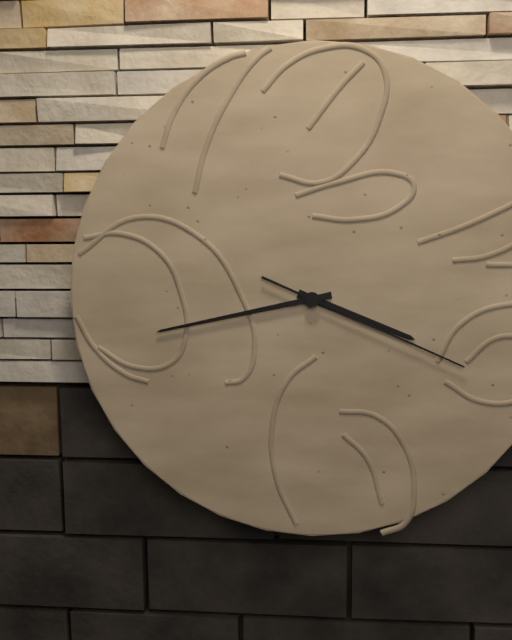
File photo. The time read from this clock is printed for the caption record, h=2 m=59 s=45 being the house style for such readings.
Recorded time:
h=3 m=43 s=19
